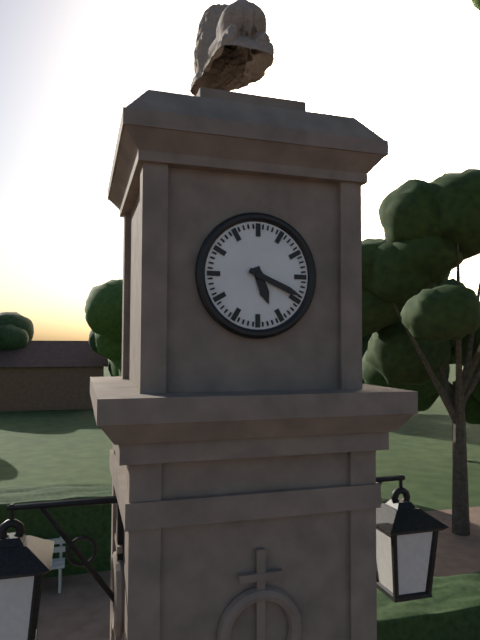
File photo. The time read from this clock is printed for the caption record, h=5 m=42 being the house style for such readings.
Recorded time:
h=5 m=19
